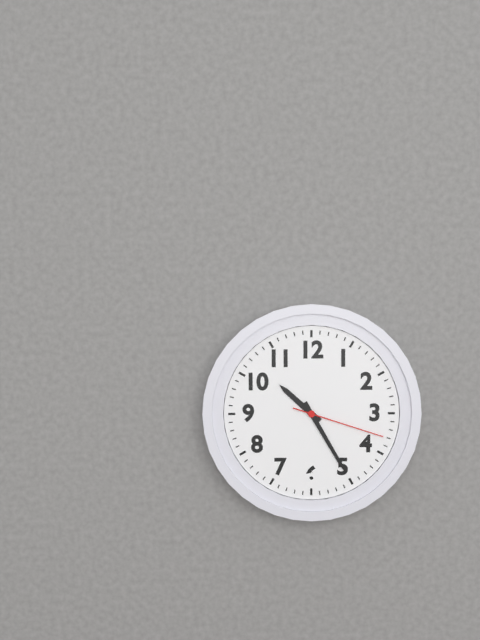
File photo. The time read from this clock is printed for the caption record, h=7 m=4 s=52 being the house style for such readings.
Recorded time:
h=10 m=25 s=18
